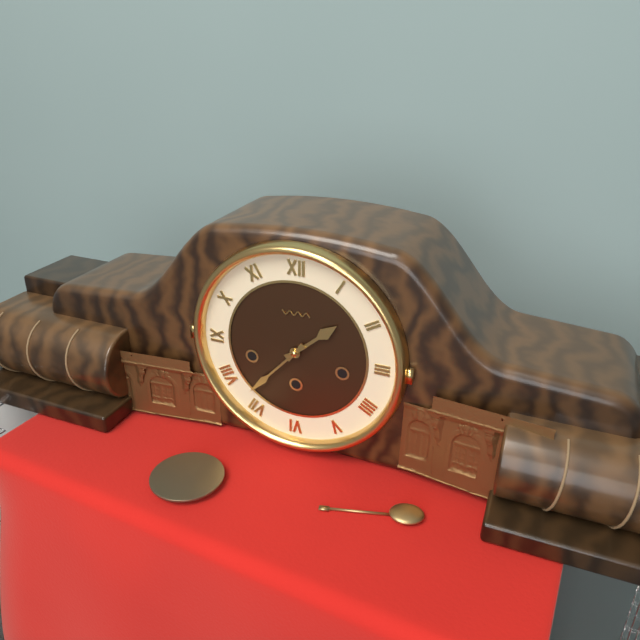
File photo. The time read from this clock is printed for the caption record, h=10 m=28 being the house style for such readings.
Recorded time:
h=1 m=37
